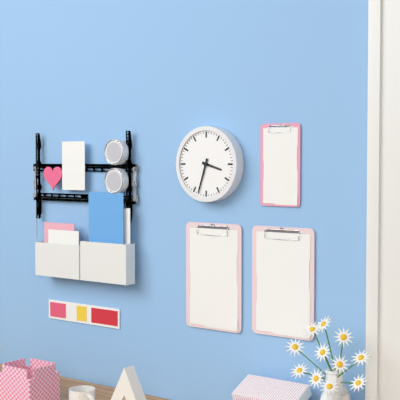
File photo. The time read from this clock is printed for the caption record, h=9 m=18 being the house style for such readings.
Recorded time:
h=3 m=33
